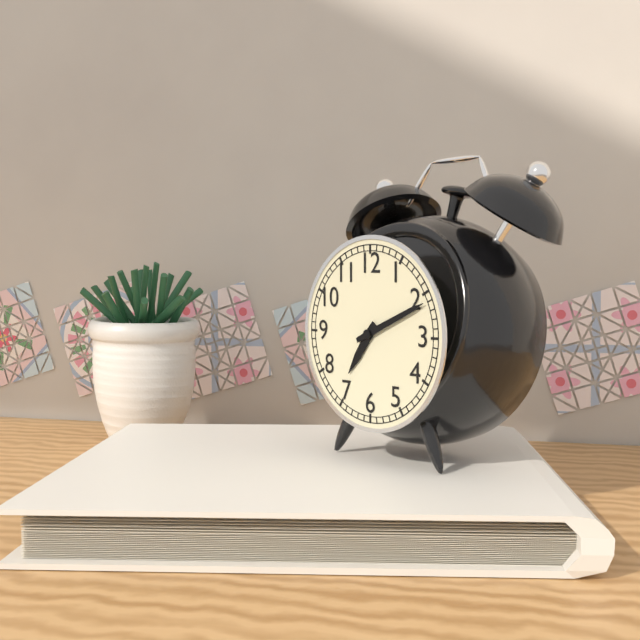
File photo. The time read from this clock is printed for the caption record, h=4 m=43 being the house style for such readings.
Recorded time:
h=7 m=11
